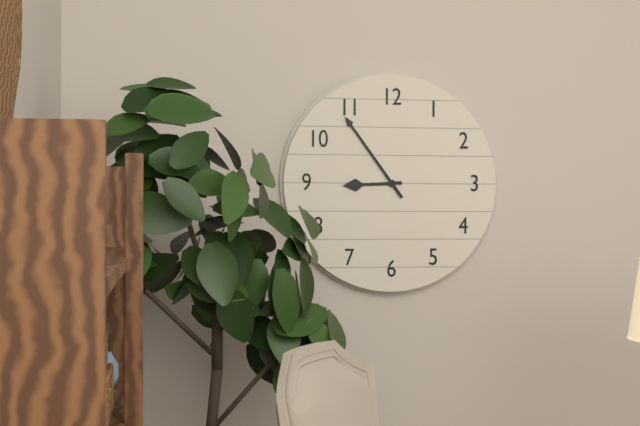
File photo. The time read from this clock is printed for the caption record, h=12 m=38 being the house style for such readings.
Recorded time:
h=8 m=54
